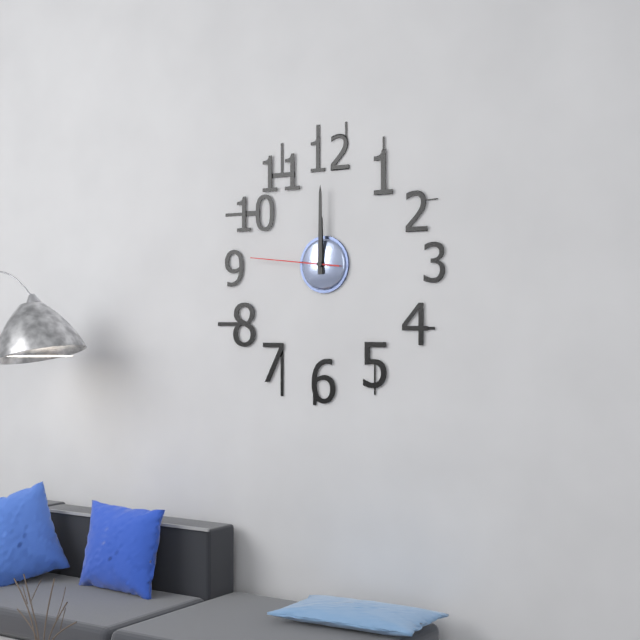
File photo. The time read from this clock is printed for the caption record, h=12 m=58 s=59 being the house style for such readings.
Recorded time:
h=12 m=0 s=46
